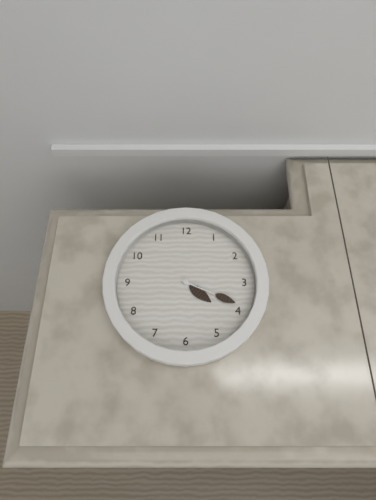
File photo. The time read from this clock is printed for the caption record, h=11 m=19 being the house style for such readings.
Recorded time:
h=4 m=19
